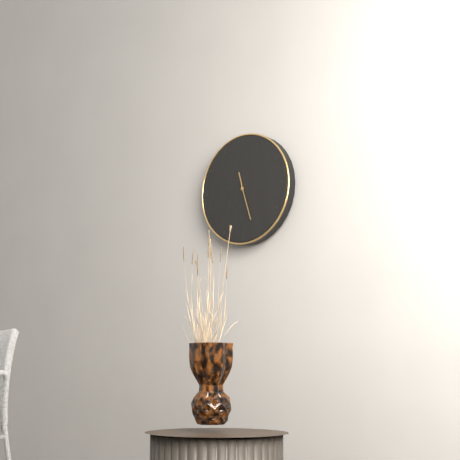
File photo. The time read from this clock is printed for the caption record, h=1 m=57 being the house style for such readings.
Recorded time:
h=11 m=27
